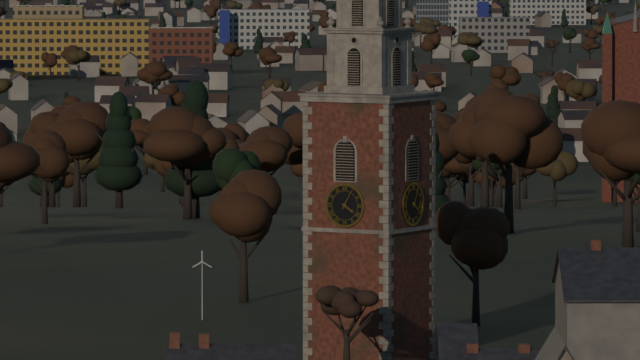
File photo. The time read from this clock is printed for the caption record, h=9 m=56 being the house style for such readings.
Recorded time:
h=4 m=5
